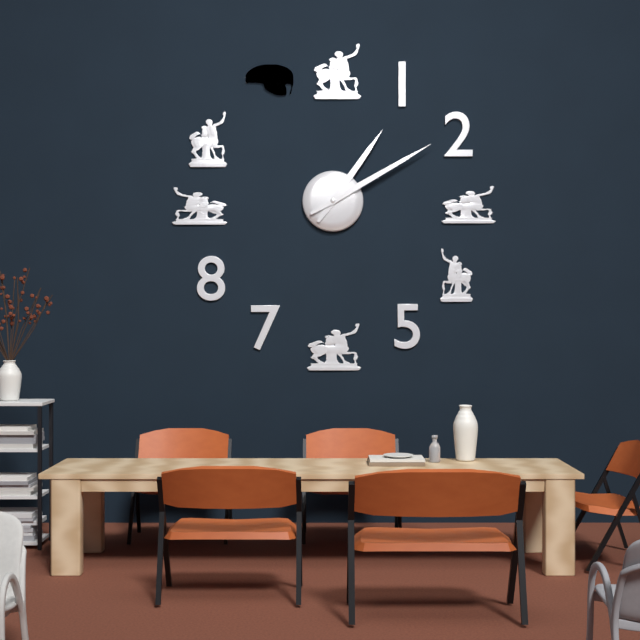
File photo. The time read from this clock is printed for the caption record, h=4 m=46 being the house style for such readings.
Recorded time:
h=1 m=10
